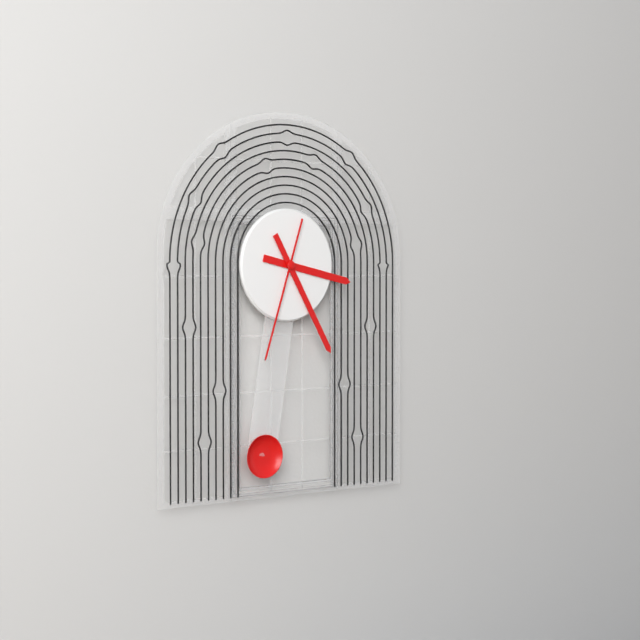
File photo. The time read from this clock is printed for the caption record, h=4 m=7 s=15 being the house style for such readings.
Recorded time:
h=3 m=25 s=33
